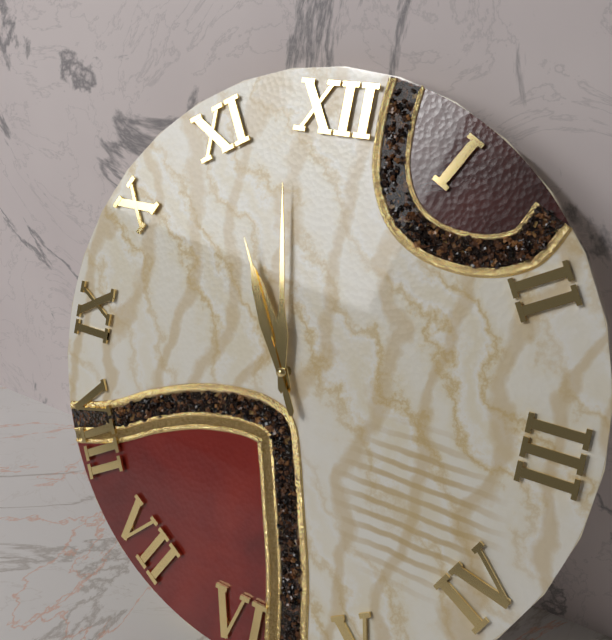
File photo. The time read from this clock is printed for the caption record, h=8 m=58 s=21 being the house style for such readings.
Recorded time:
h=10 m=58 s=55
